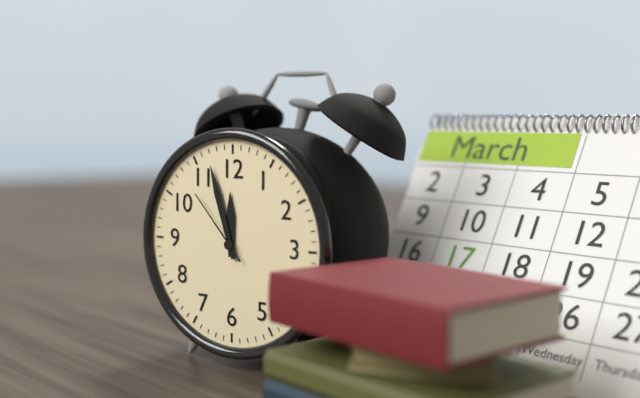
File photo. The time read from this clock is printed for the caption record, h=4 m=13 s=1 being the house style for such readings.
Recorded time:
h=11 m=57 s=53
